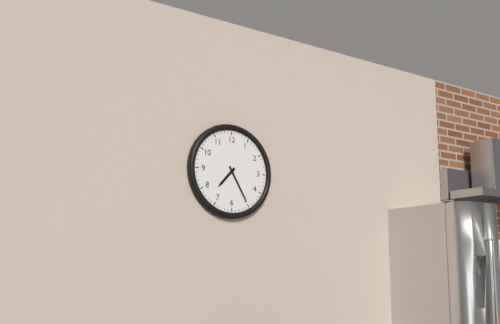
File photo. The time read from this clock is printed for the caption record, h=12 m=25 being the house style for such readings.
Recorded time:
h=7 m=25
